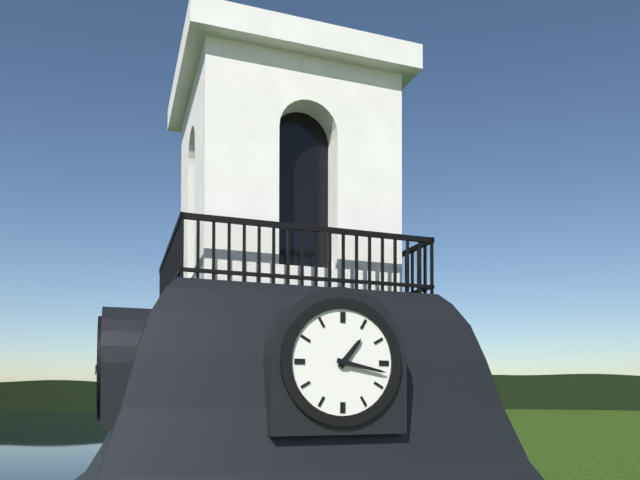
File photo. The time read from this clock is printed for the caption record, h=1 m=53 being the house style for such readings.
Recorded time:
h=1 m=17
